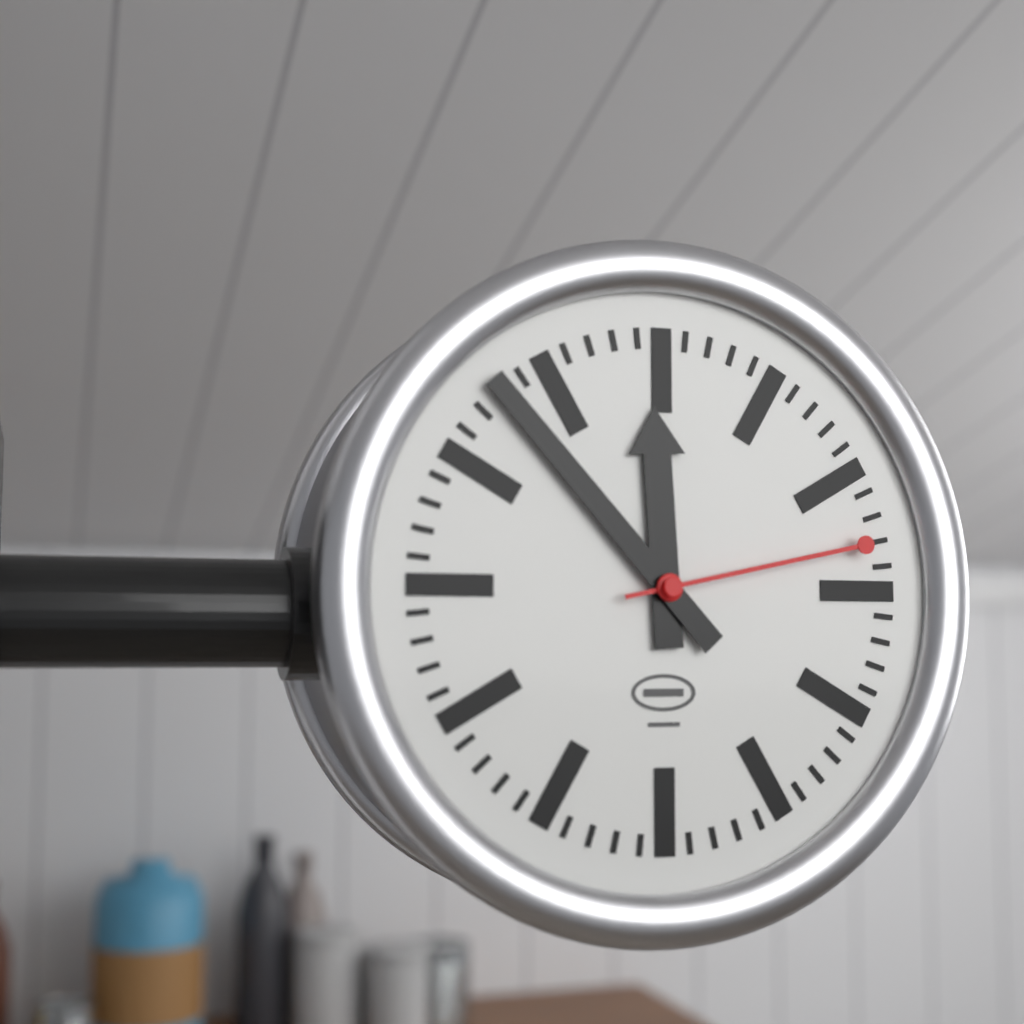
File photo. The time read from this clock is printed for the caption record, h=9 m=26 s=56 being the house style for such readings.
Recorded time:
h=11 m=53 s=13
